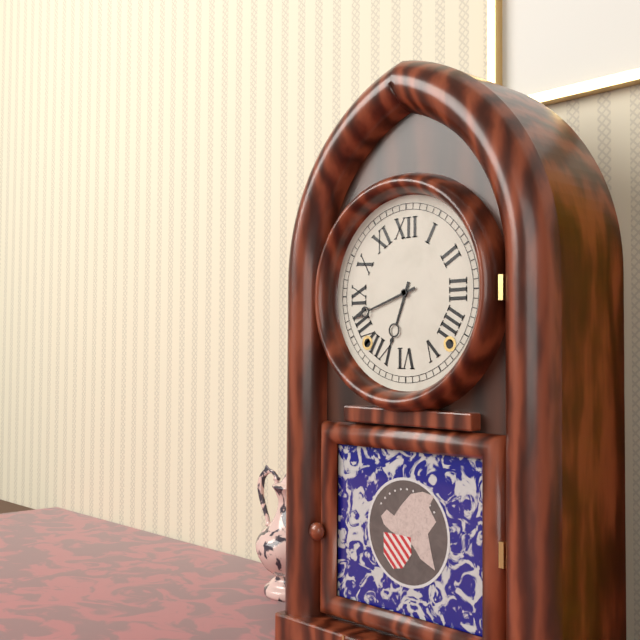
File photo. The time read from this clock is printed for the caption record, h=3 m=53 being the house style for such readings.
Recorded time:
h=6 m=42
